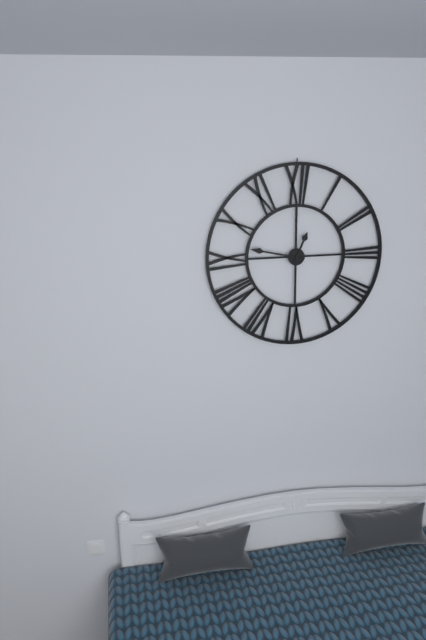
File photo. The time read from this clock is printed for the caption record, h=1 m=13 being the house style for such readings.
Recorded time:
h=12 m=47
